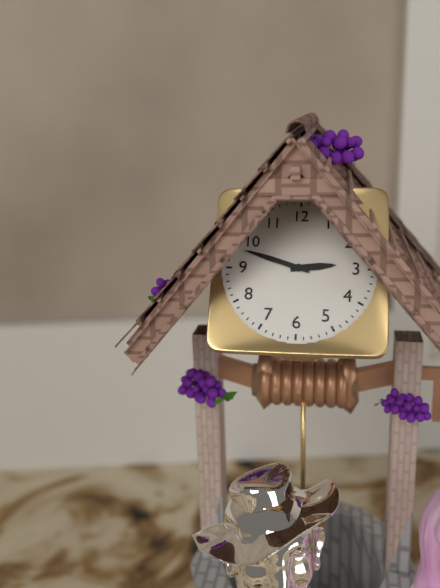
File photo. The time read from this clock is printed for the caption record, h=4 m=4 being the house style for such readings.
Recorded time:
h=2 m=48
